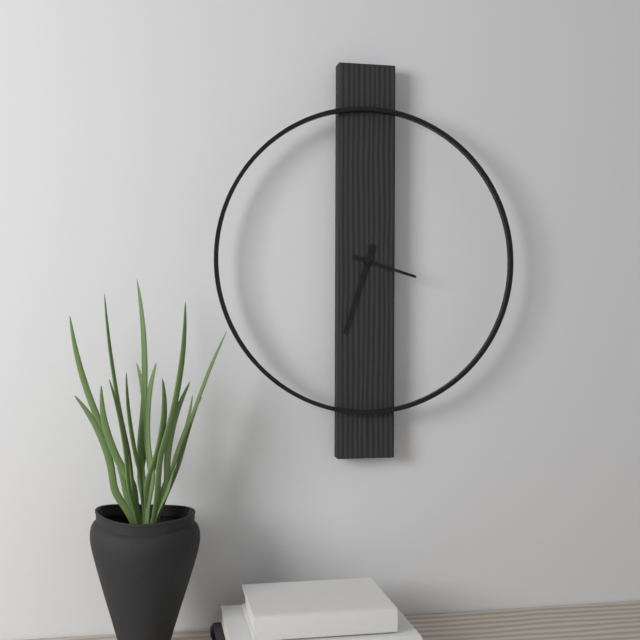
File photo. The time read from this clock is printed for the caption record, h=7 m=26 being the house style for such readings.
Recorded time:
h=3 m=33
